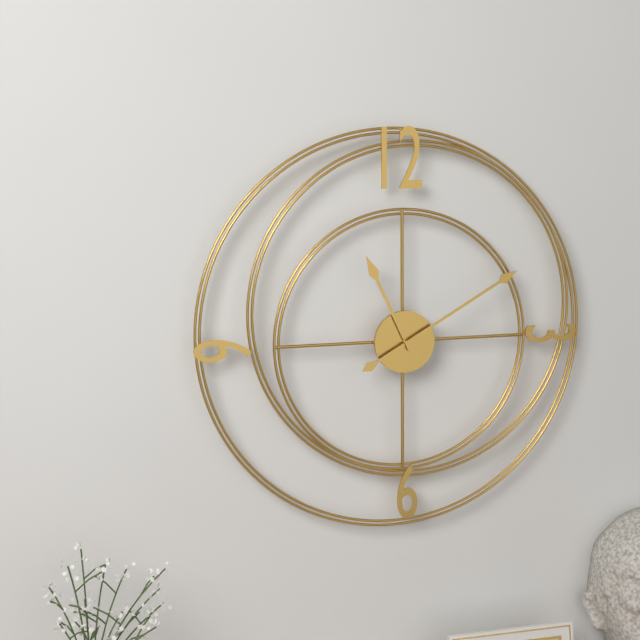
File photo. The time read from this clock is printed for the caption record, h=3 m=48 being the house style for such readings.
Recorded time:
h=11 m=10
